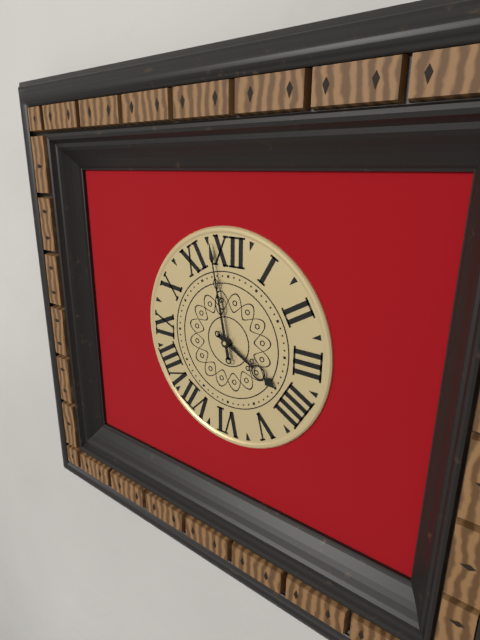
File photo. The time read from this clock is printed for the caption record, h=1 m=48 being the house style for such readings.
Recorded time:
h=3 m=58
